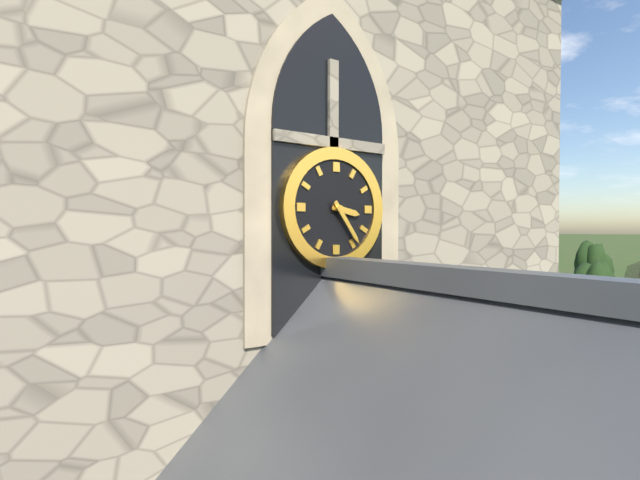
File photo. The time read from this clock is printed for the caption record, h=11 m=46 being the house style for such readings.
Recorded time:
h=3 m=24
